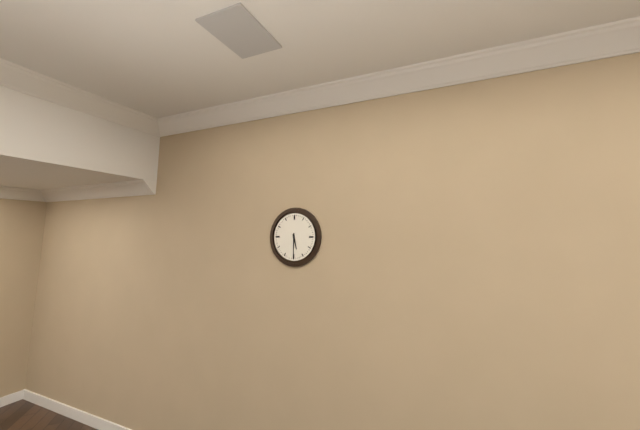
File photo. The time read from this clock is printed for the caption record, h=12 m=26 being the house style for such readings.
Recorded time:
h=5 m=30
